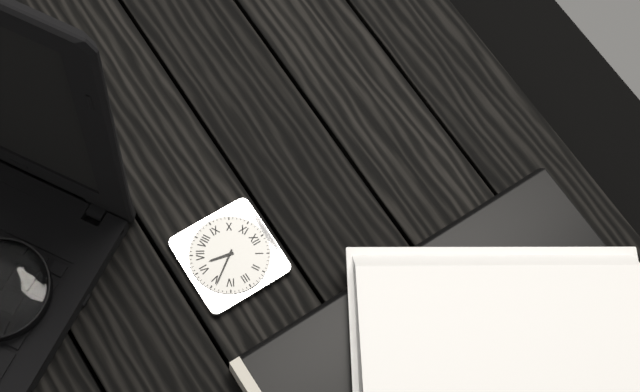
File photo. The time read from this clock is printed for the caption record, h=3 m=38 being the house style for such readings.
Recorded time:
h=6 m=24
